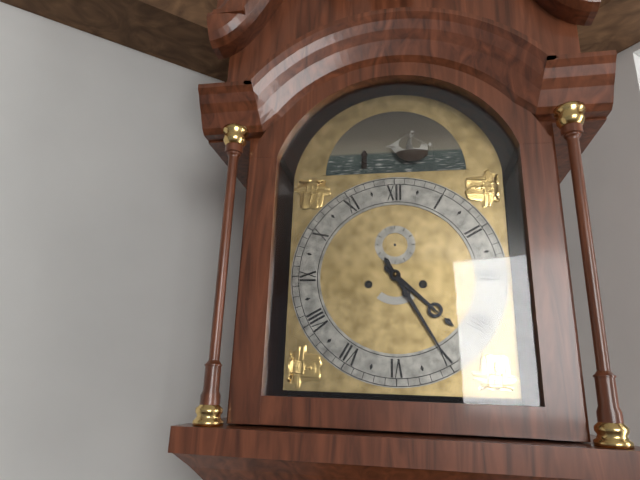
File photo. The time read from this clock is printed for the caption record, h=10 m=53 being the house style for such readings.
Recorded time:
h=4 m=25
